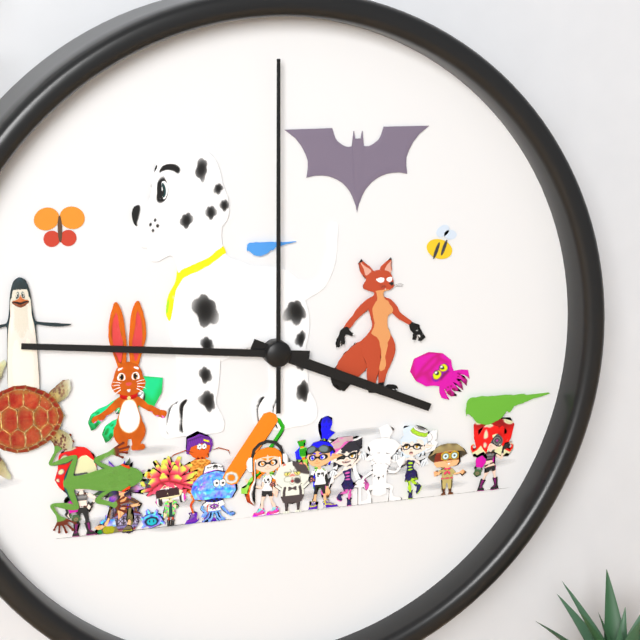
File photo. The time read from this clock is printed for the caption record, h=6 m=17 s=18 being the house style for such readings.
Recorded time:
h=3 m=46 s=0
